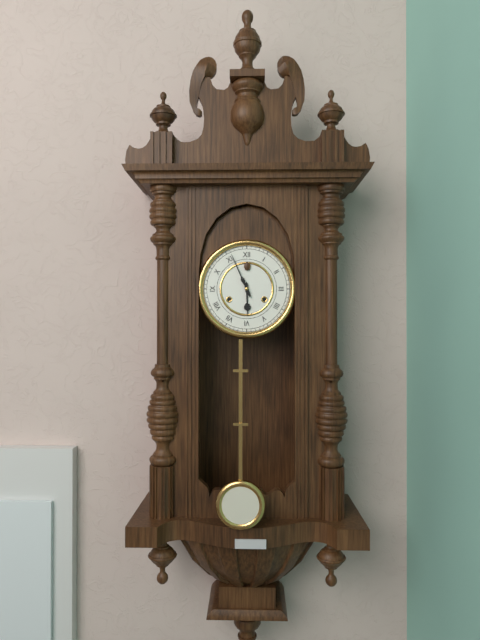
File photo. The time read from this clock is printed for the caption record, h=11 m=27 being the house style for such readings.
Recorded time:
h=5 m=56
